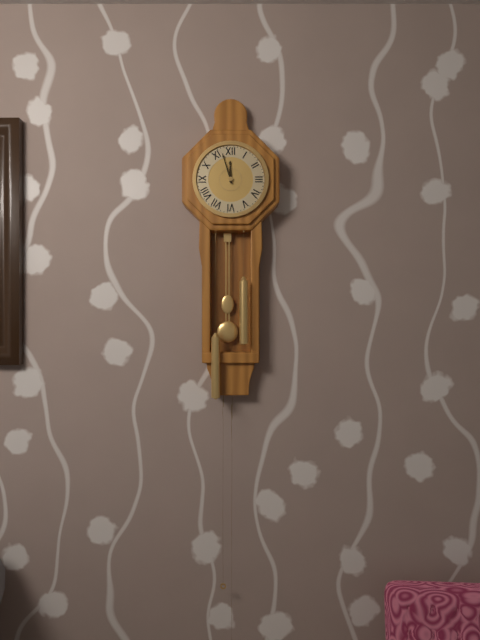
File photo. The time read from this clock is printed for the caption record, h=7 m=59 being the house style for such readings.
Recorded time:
h=11 m=57
